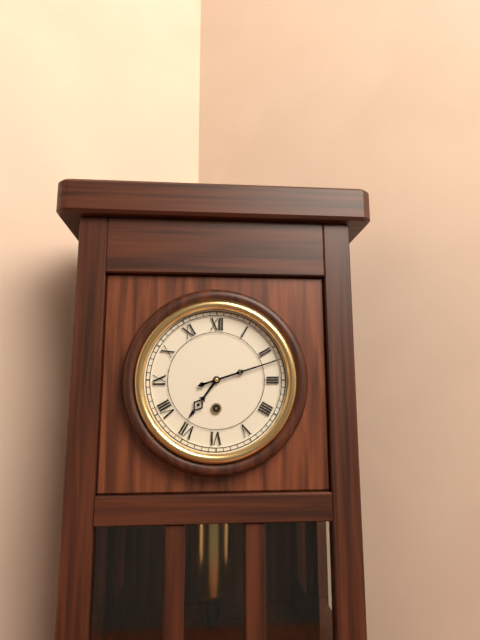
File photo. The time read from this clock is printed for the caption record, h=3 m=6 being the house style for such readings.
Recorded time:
h=7 m=12
